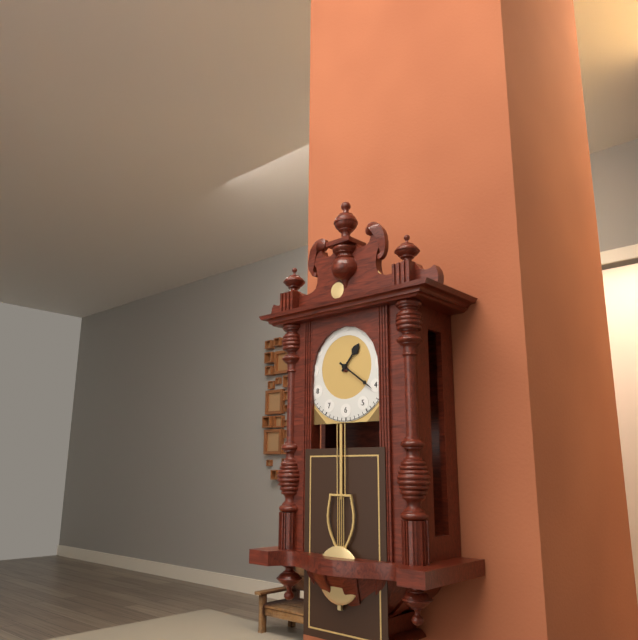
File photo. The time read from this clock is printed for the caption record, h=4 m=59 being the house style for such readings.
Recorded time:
h=1 m=21
